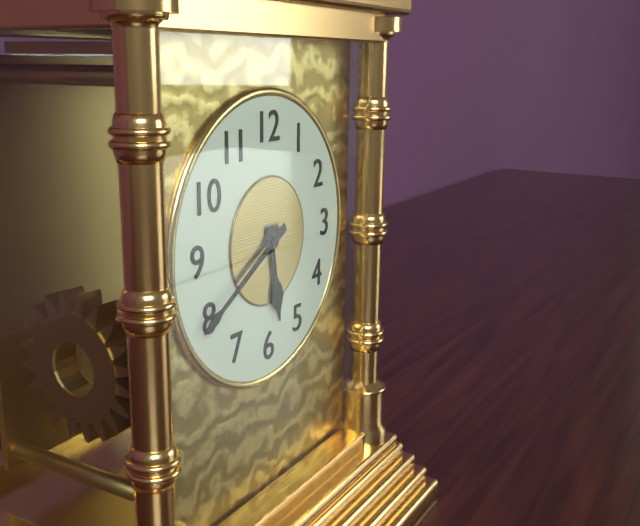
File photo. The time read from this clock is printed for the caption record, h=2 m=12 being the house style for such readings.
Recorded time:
h=5 m=40
